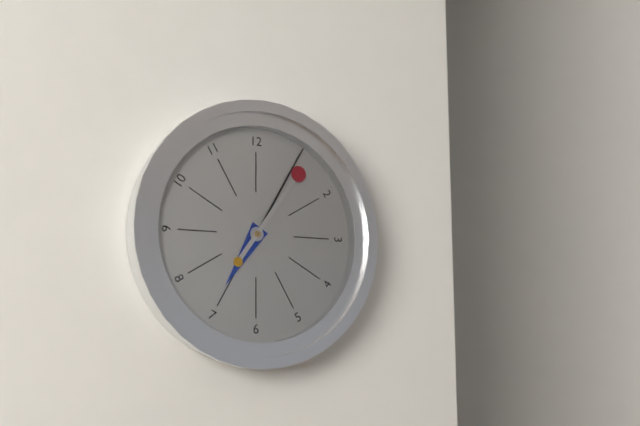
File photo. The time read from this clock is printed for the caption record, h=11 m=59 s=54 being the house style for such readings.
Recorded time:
h=7 m=5 s=6
